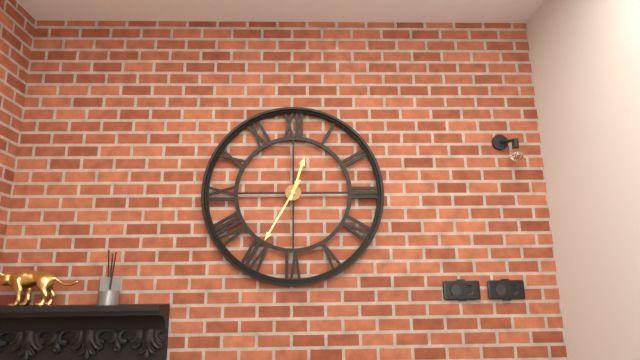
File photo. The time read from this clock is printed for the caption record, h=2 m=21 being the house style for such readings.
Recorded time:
h=12 m=35
